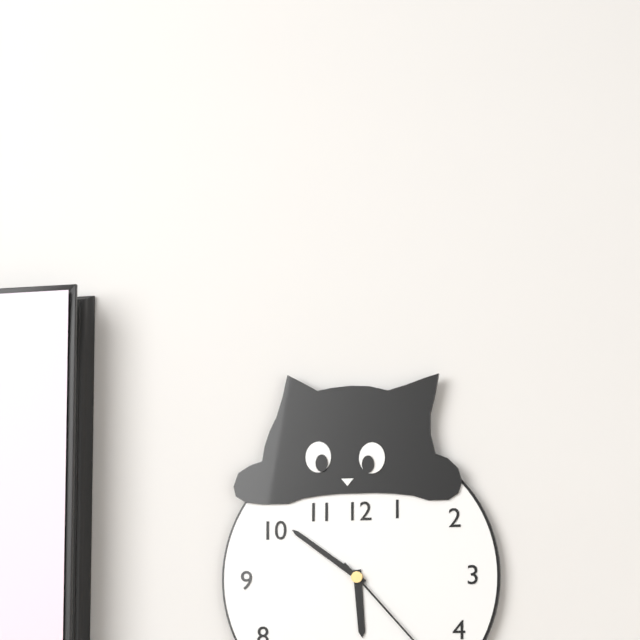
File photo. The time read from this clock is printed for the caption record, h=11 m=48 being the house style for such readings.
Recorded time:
h=5 m=51
